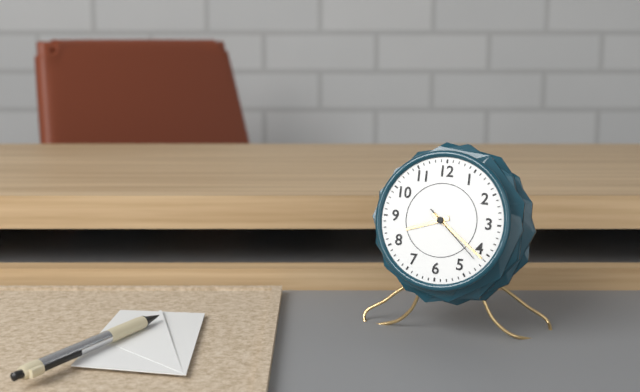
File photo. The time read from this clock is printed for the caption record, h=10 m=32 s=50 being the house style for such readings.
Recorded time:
h=8 m=21 s=22
